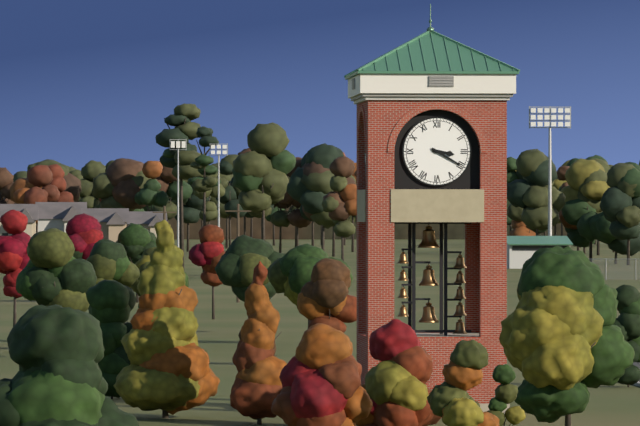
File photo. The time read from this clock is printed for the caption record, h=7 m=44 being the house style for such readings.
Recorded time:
h=3 m=20
